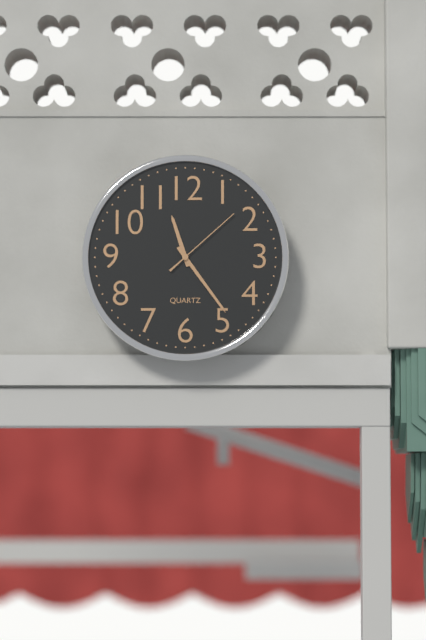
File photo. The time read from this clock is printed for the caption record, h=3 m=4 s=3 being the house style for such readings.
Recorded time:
h=11 m=24 s=8
